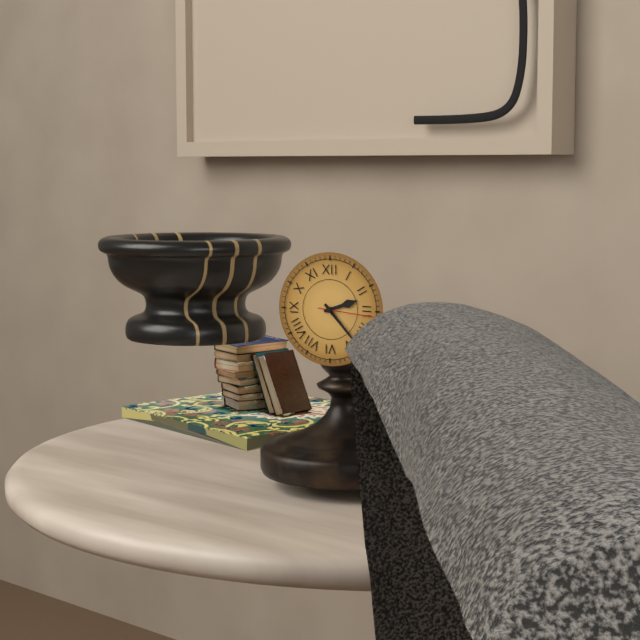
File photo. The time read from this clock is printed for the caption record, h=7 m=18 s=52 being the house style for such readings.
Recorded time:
h=2 m=23 s=16
